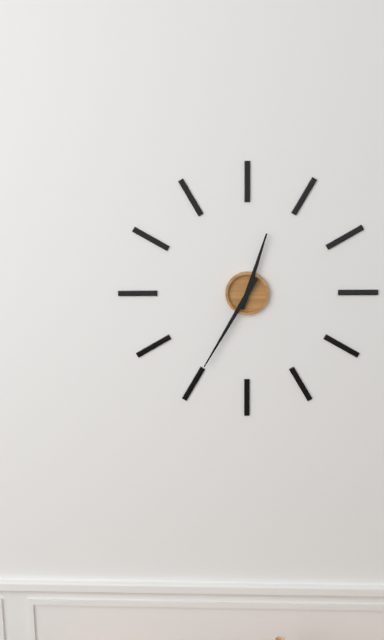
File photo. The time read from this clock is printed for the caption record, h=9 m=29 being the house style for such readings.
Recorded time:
h=12 m=35
